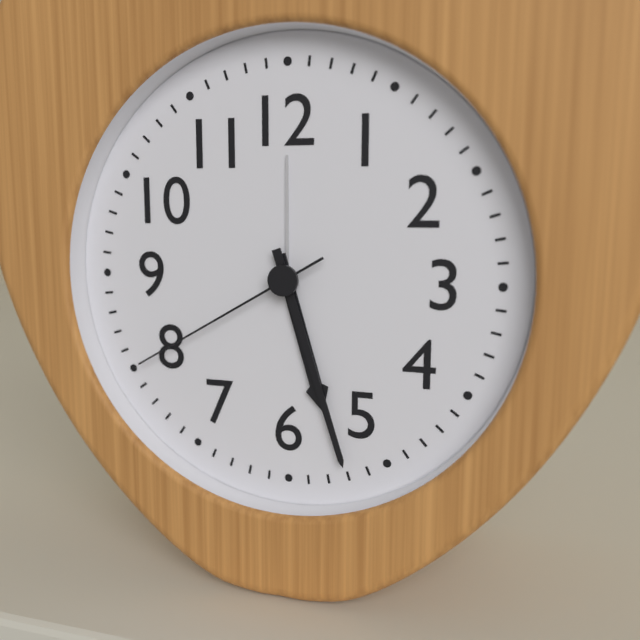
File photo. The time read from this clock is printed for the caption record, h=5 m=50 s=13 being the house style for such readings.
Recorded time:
h=5 m=27 s=40
